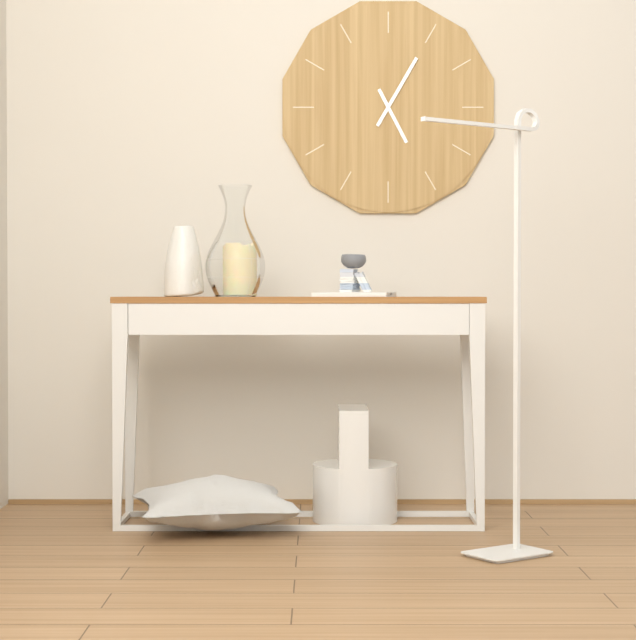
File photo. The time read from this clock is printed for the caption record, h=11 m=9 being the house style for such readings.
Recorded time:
h=5 m=5
